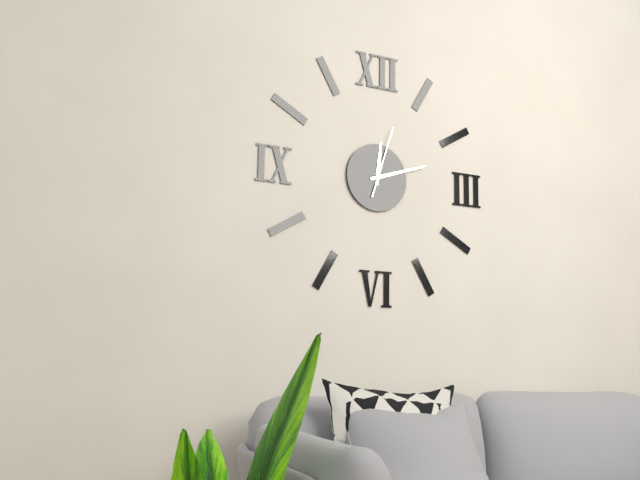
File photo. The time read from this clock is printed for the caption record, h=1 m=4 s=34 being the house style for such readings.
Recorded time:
h=12 m=12 s=3
